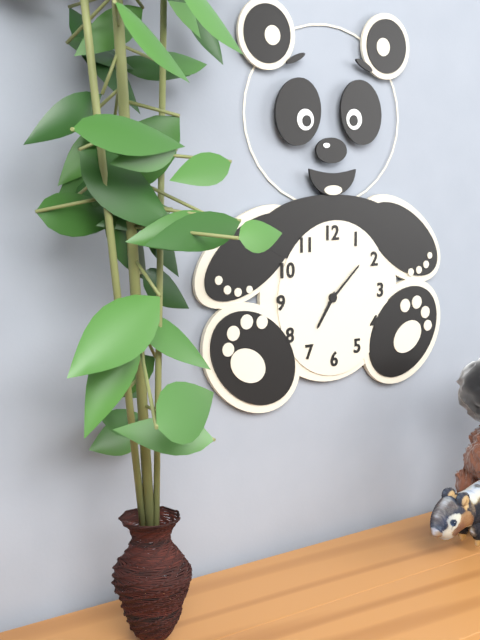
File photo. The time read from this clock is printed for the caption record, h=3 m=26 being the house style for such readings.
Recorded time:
h=7 m=8
